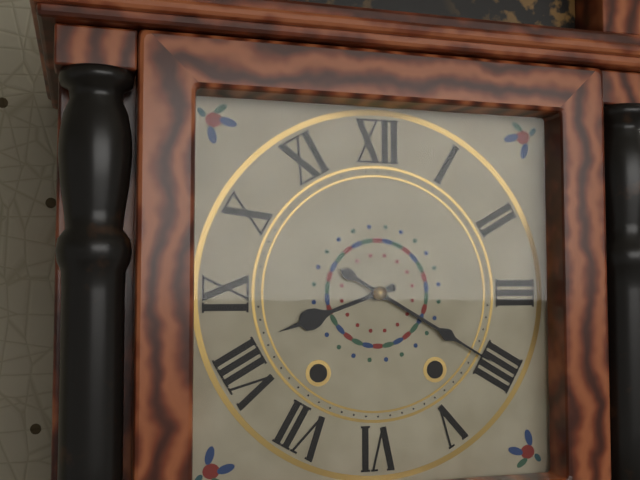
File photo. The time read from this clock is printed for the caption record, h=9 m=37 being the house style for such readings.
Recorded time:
h=8 m=20
